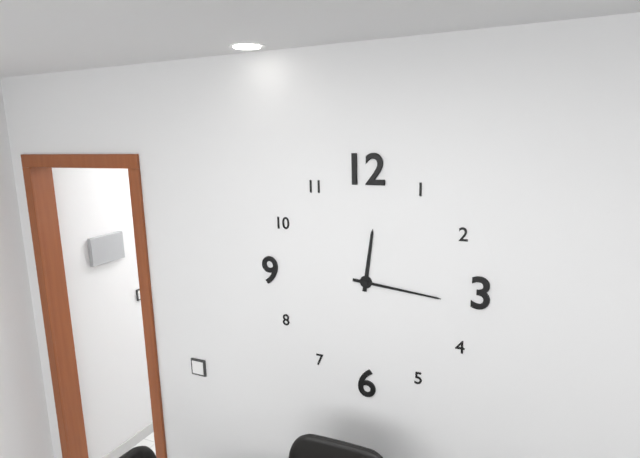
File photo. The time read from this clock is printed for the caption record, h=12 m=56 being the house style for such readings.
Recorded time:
h=12 m=16
